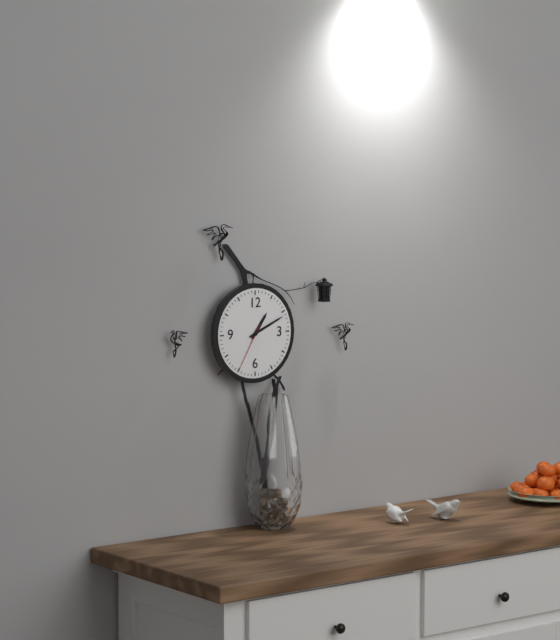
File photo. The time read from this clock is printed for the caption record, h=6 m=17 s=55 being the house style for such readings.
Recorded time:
h=1 m=11 s=35
